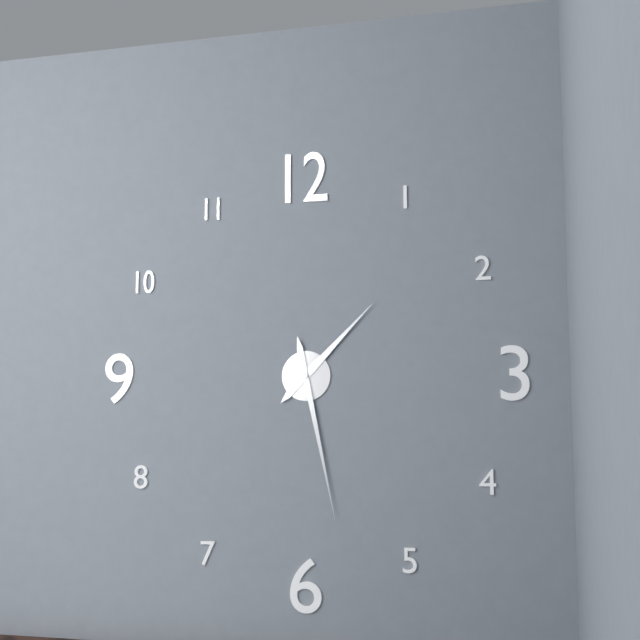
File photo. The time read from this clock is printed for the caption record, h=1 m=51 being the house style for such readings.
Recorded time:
h=1 m=28
